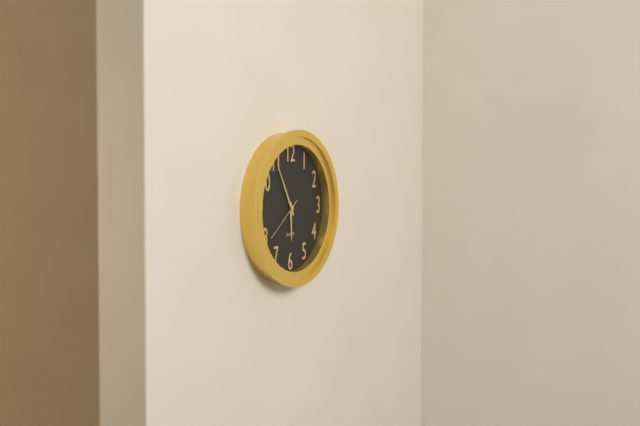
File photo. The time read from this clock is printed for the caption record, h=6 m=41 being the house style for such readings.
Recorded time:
h=5 m=55
